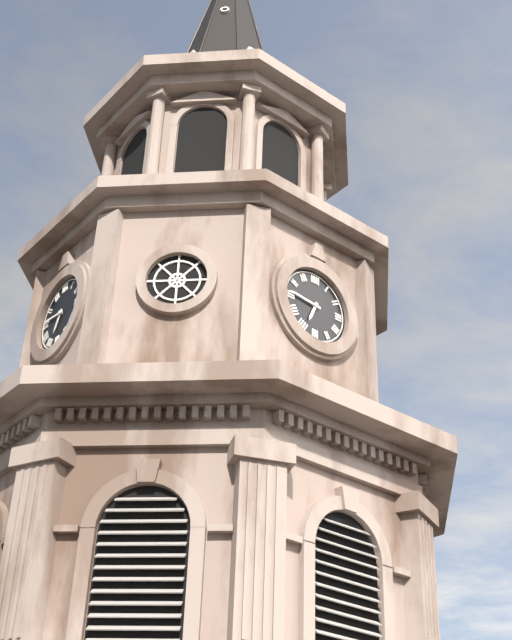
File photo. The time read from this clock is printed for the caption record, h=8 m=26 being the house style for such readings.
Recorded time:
h=6 m=46
